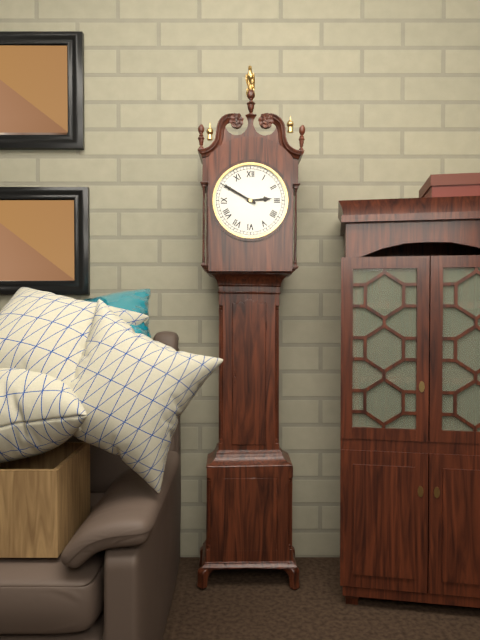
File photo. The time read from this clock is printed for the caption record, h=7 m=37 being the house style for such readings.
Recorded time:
h=2 m=50
